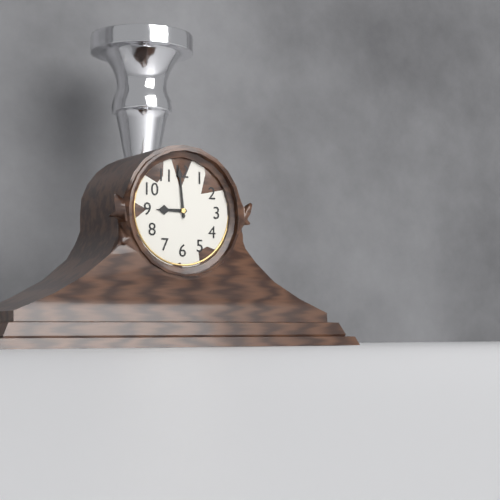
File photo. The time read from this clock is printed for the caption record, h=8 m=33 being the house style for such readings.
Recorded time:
h=8 m=59
